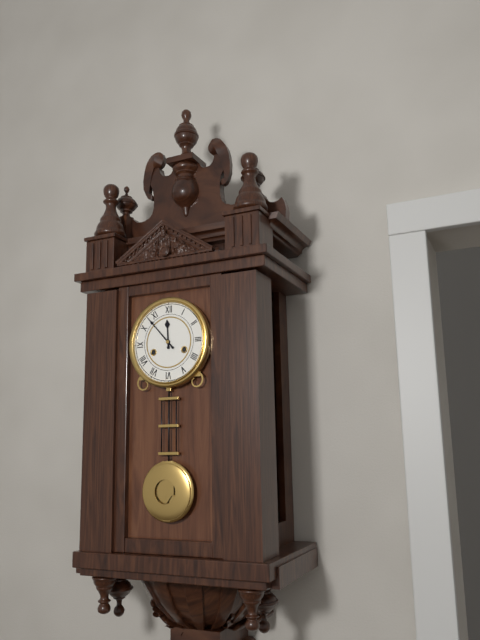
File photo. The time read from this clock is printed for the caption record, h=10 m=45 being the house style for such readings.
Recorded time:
h=11 m=53
